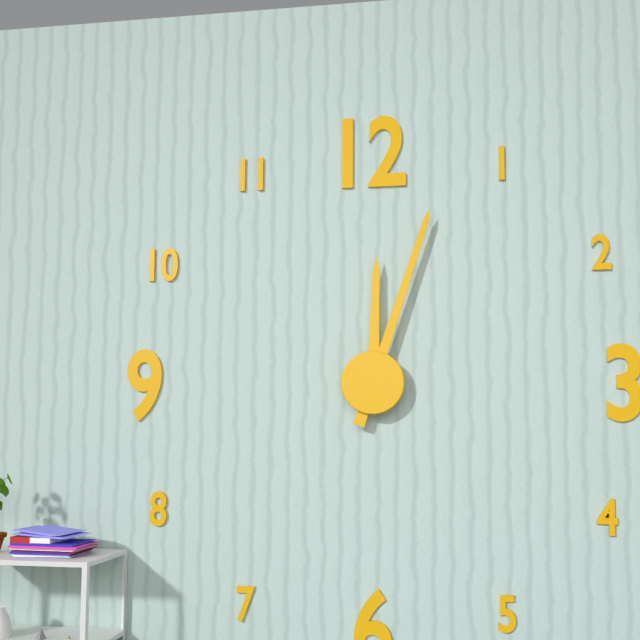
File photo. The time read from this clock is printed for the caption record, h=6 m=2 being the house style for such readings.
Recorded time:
h=12 m=3
